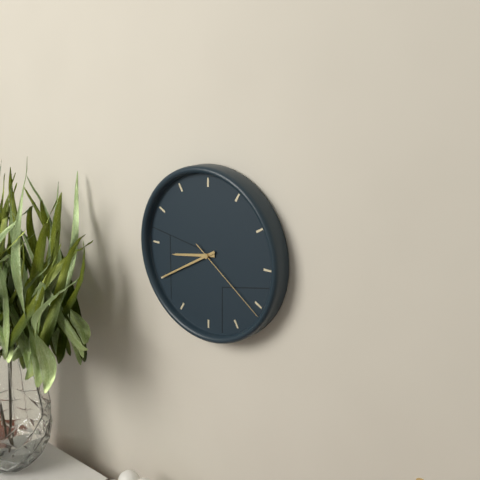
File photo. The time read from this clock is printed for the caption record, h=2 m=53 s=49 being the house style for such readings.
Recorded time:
h=8 m=40 s=21
